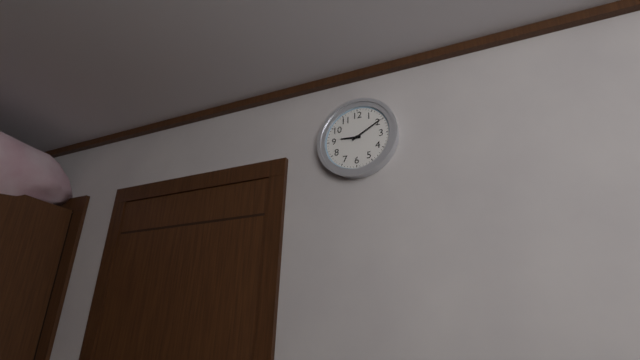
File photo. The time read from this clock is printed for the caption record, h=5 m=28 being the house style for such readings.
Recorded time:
h=9 m=10
